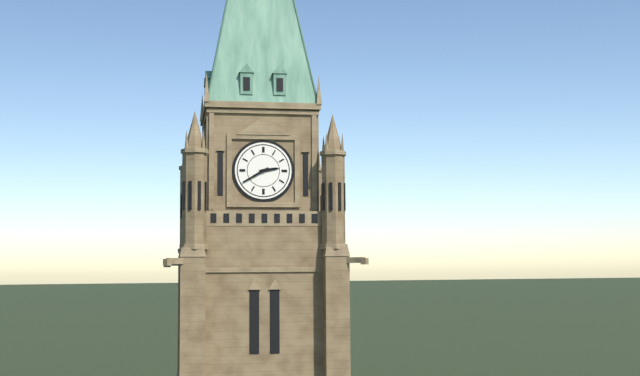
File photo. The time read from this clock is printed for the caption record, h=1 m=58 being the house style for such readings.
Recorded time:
h=2 m=40
